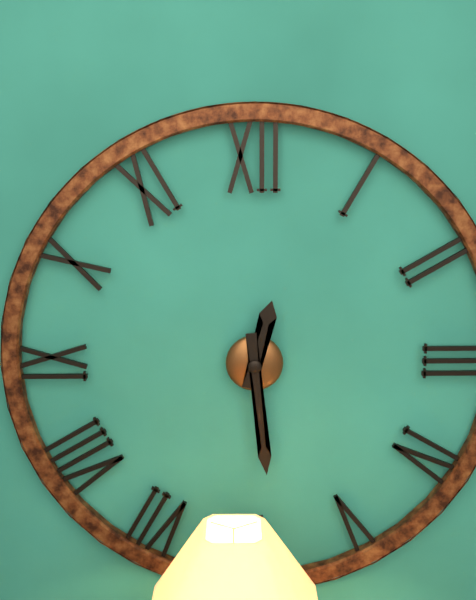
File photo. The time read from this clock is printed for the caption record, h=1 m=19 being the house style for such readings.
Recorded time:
h=12 m=29
